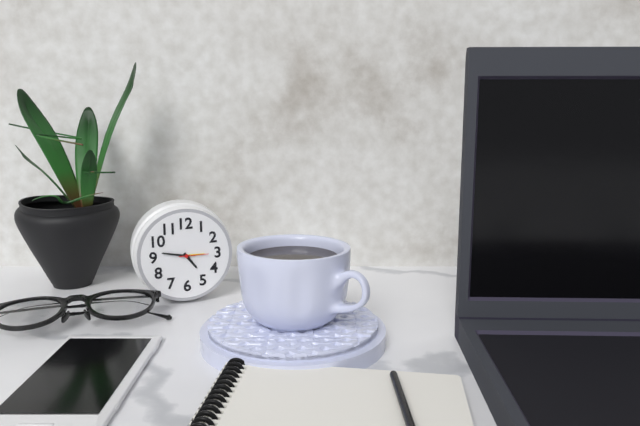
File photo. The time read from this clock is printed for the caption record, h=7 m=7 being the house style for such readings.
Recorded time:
h=4 m=47
